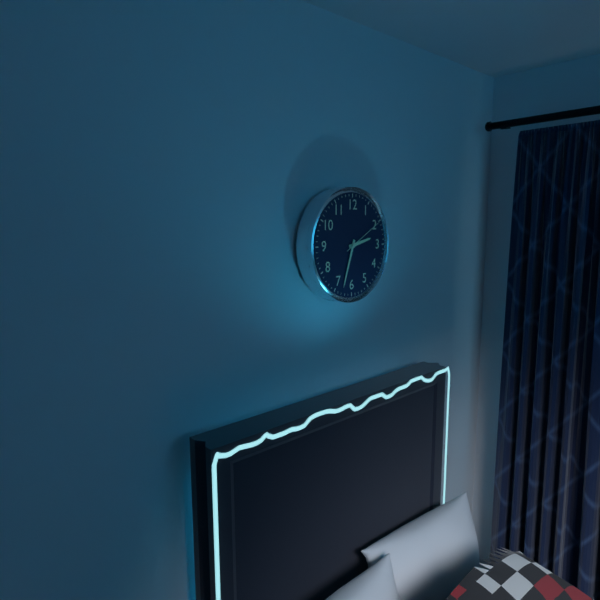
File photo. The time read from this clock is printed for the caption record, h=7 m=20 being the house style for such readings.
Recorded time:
h=2 m=33
